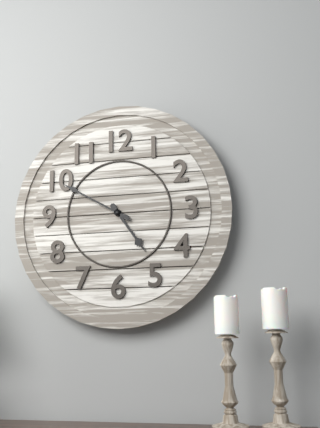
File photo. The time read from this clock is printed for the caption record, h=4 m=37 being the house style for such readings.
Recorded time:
h=4 m=50
